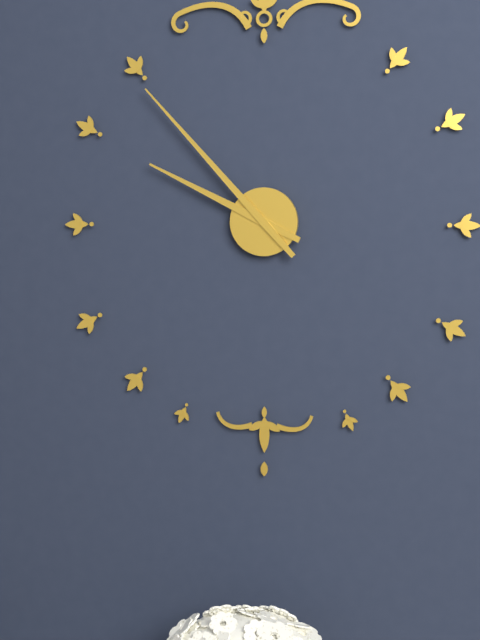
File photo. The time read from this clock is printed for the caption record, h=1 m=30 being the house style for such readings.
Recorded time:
h=9 m=53
